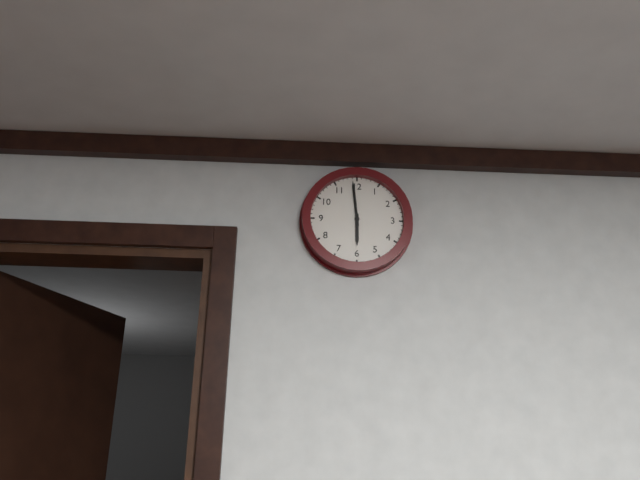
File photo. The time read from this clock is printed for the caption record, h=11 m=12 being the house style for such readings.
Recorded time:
h=5 m=59
